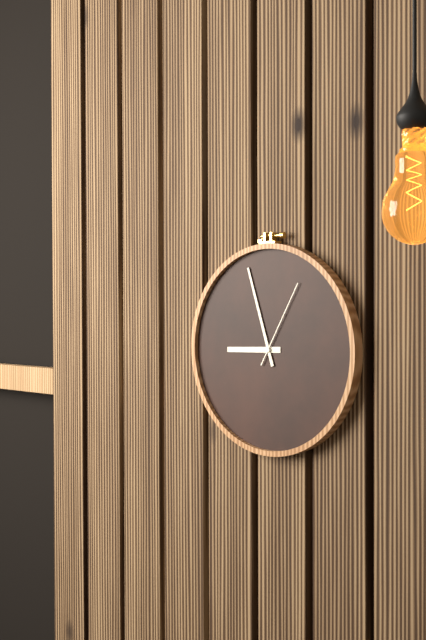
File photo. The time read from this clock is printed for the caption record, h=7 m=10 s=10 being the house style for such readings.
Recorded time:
h=8 m=57 s=5
